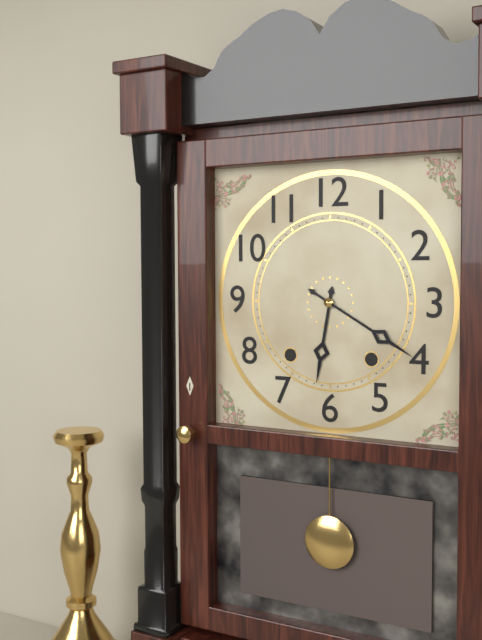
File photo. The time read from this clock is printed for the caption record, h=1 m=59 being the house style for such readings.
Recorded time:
h=6 m=20
